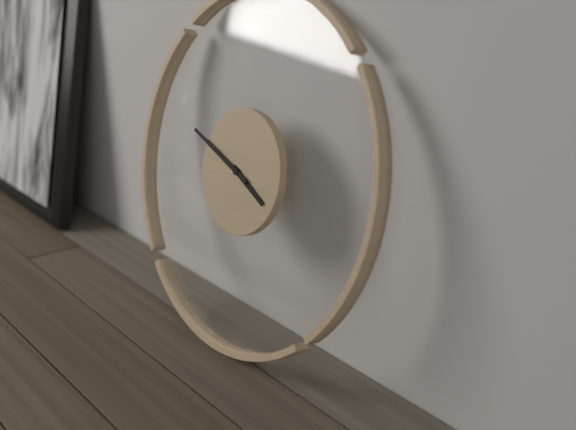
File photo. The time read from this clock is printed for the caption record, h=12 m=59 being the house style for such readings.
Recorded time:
h=3 m=48
